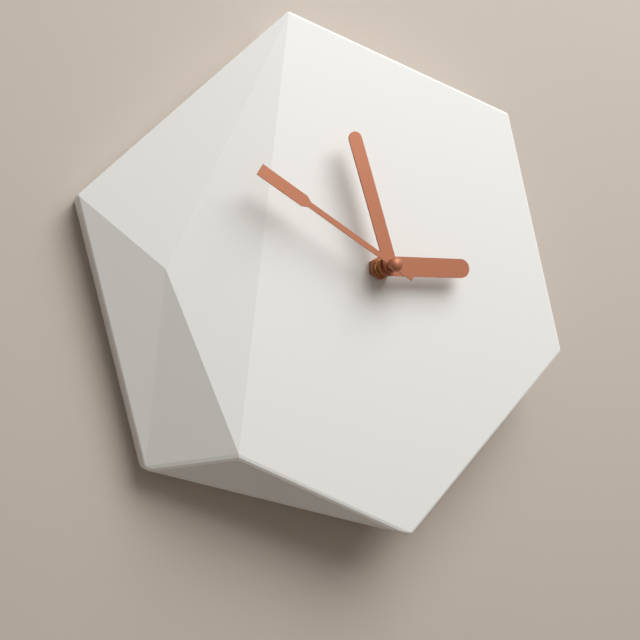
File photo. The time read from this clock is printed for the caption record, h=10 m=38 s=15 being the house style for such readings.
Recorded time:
h=2 m=57 s=50
